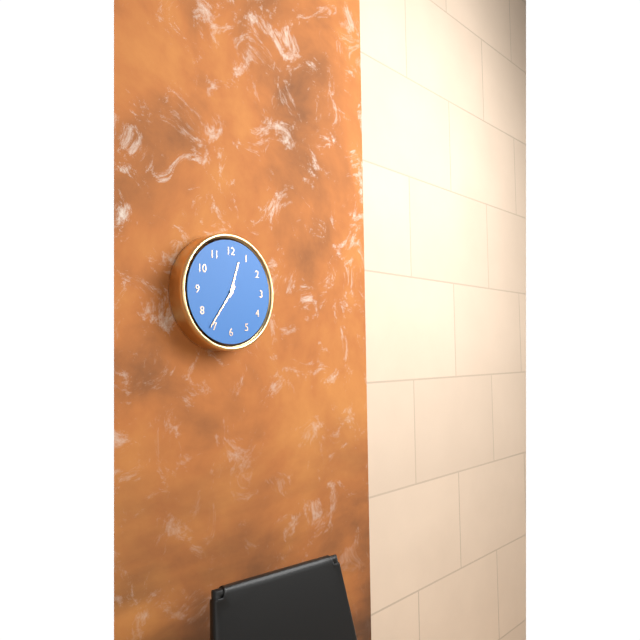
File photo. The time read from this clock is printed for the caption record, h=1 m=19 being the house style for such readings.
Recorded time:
h=12 m=36
